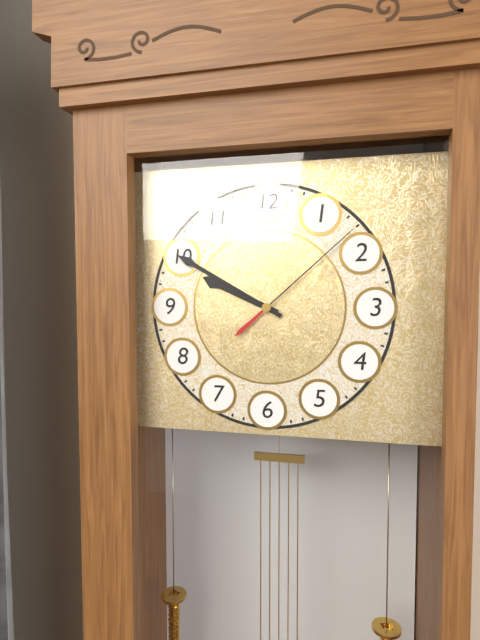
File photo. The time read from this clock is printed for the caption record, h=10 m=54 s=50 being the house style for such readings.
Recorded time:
h=9 m=50 s=8
